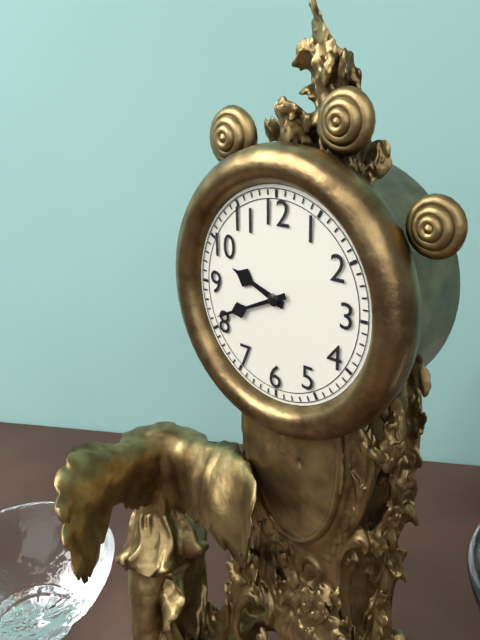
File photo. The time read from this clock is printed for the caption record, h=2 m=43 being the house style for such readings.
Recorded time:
h=9 m=41
